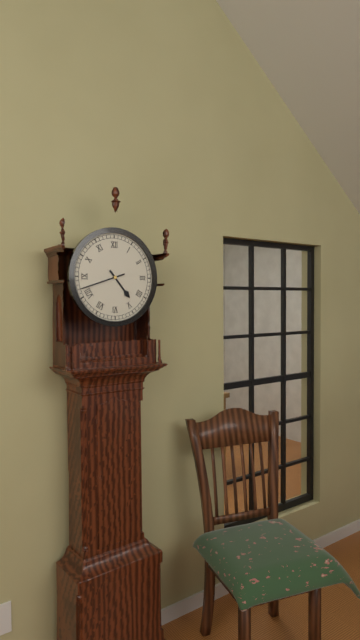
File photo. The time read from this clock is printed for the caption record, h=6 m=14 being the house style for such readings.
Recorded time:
h=4 m=42
